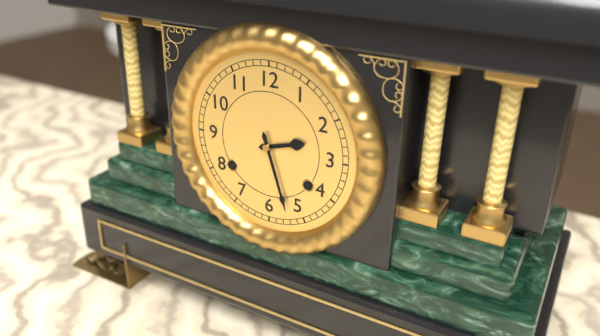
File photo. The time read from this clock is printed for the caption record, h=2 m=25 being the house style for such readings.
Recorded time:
h=2 m=27
